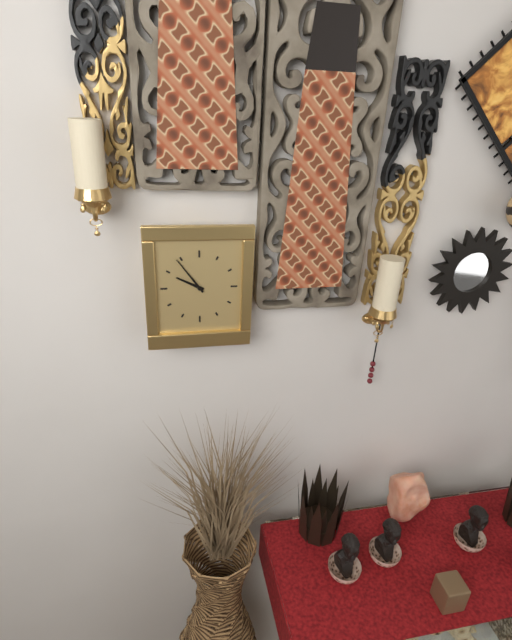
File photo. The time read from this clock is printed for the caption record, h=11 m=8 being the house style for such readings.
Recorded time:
h=9 m=54
